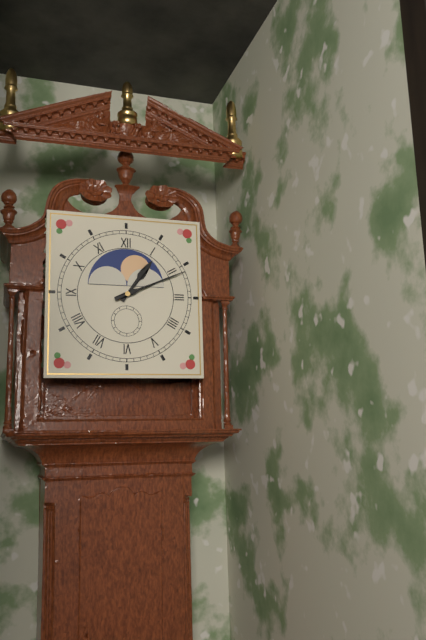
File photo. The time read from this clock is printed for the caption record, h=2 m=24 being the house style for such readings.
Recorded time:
h=1 m=11
